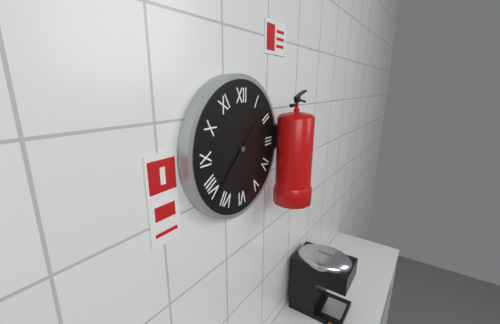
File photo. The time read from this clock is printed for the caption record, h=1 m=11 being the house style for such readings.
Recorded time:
h=1 m=38
